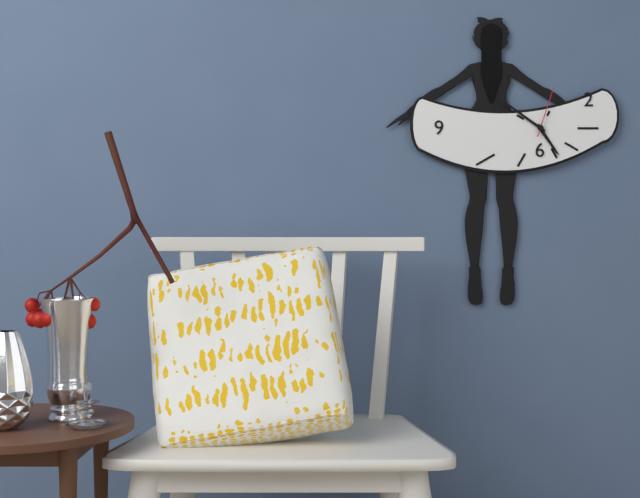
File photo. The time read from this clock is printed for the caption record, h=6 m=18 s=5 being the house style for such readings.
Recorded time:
h=4 m=51 s=3
